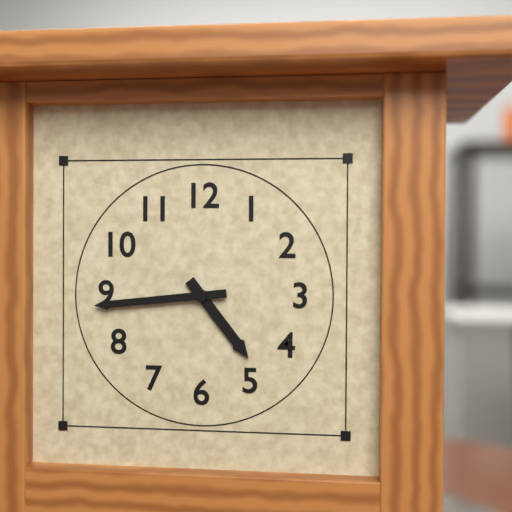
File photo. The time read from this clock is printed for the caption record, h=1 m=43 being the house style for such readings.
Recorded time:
h=4 m=44
